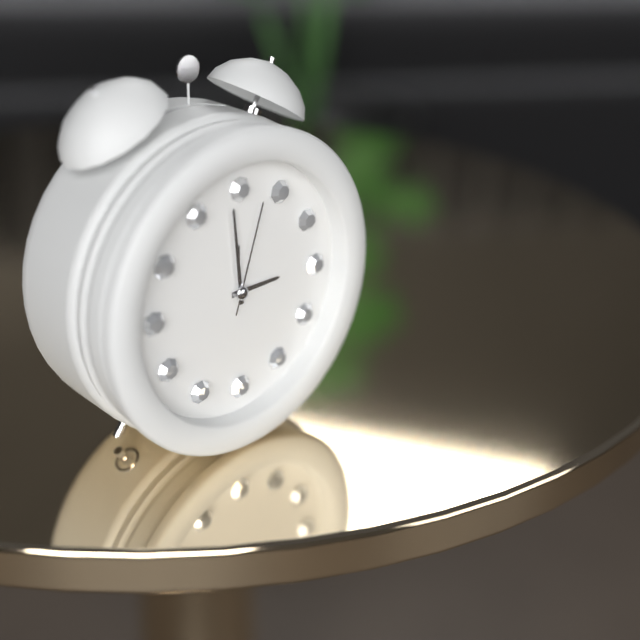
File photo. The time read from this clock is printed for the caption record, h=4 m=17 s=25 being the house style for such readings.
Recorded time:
h=2 m=59 s=3
